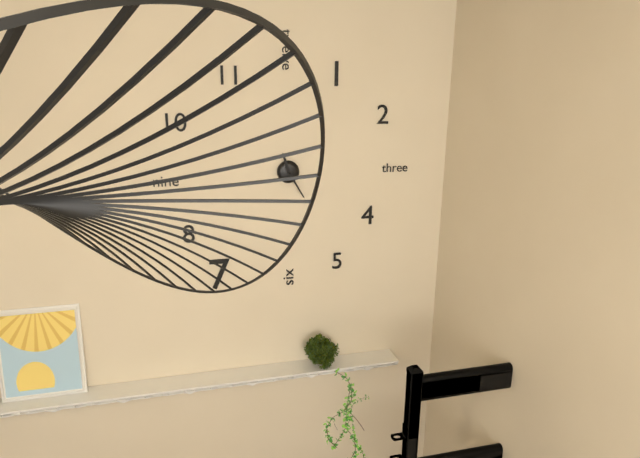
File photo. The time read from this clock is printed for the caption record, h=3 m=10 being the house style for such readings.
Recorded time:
h=11 m=25
